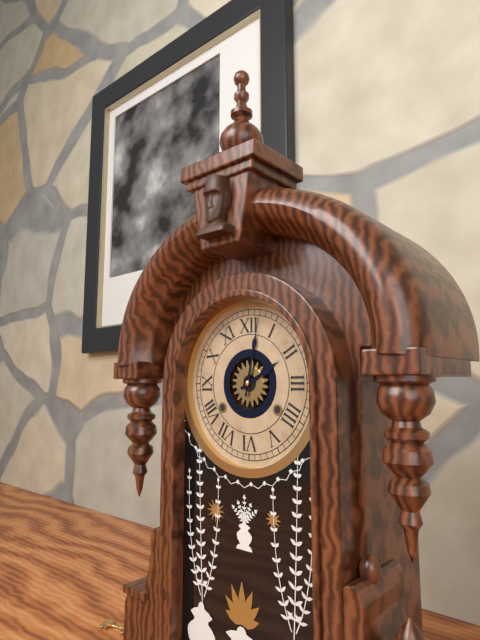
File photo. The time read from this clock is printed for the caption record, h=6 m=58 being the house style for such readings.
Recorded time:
h=2 m=2
